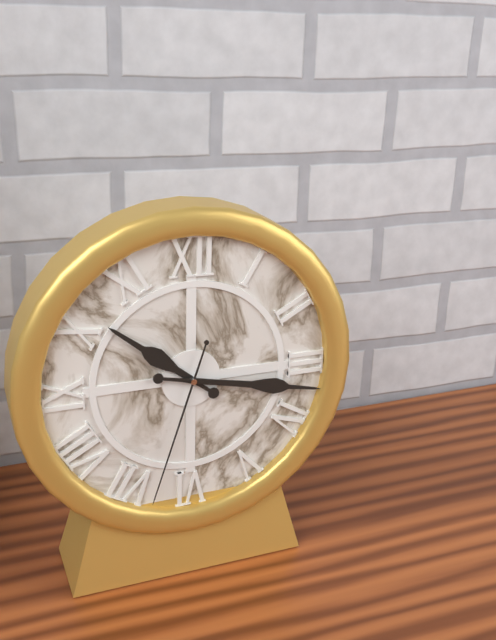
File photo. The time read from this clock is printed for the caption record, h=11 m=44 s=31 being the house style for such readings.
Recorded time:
h=10 m=17 s=33
